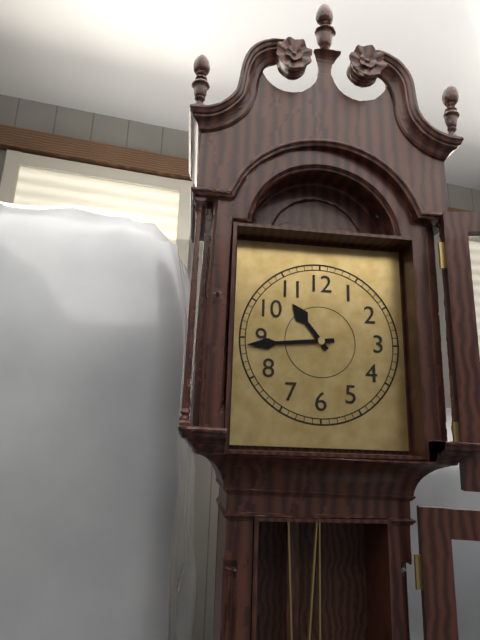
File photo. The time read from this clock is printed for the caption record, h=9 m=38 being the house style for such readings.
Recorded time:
h=10 m=44
